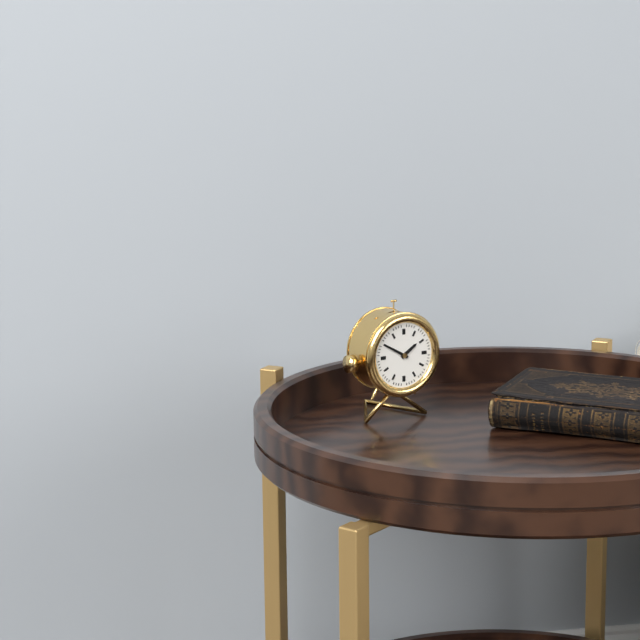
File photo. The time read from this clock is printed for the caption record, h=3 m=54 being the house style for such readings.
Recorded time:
h=1 m=50
